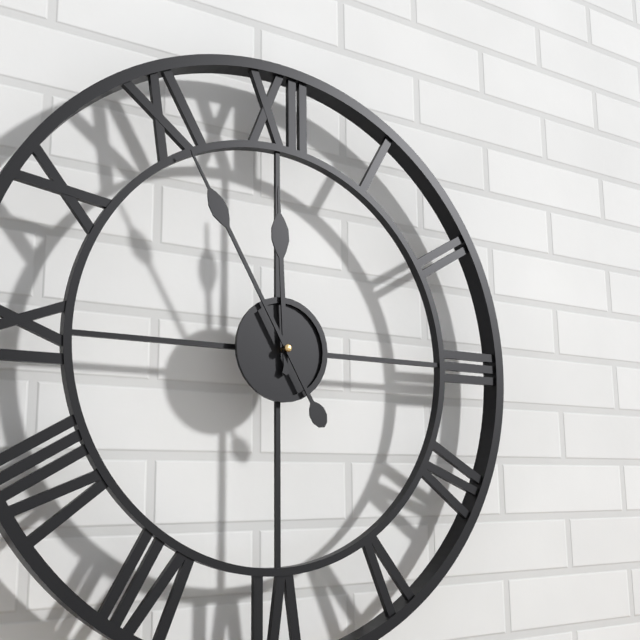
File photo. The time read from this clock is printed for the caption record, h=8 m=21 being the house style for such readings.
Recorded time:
h=11 m=55
